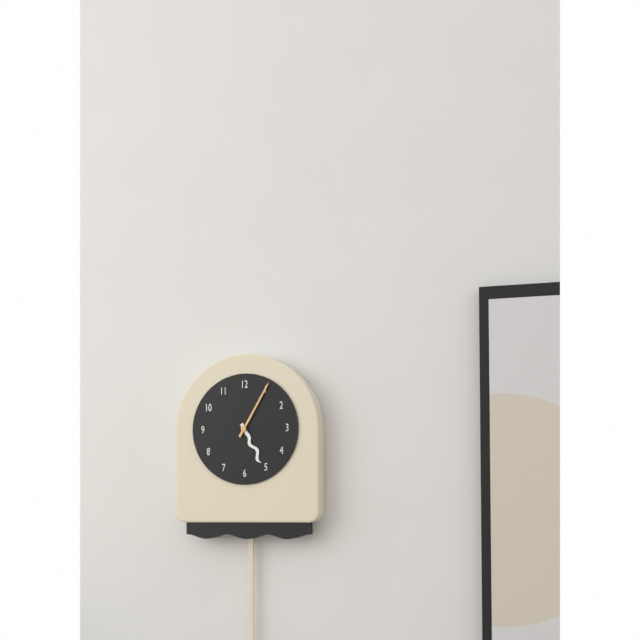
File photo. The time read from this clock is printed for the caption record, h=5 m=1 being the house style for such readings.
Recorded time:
h=5 m=5
